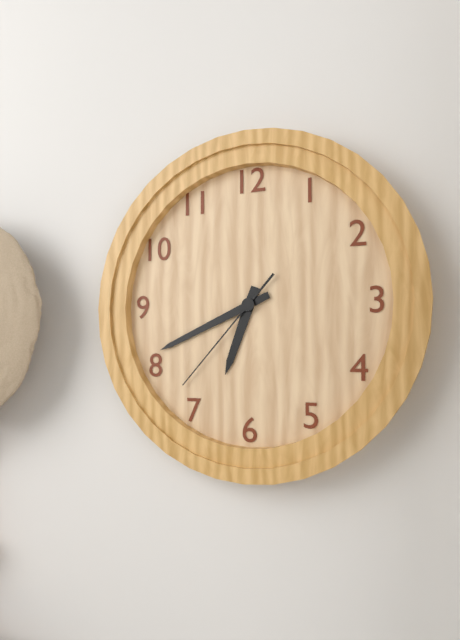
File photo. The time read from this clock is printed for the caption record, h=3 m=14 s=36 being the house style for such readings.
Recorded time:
h=6 m=41 s=37
